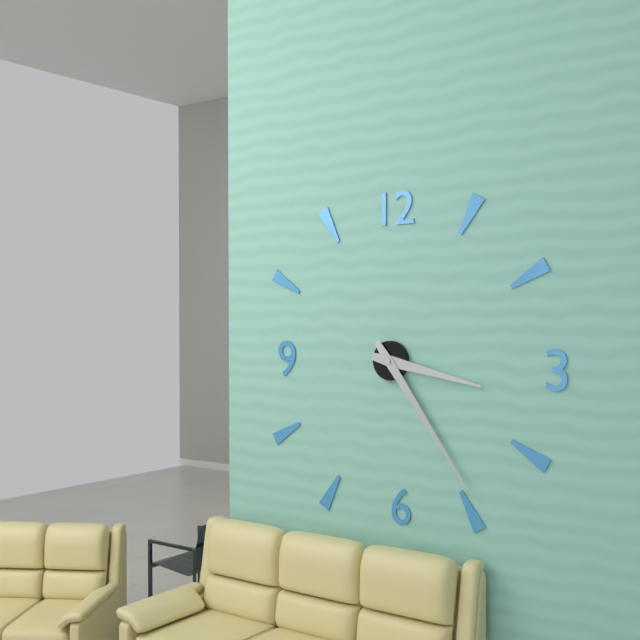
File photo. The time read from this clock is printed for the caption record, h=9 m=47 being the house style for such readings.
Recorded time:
h=3 m=24
